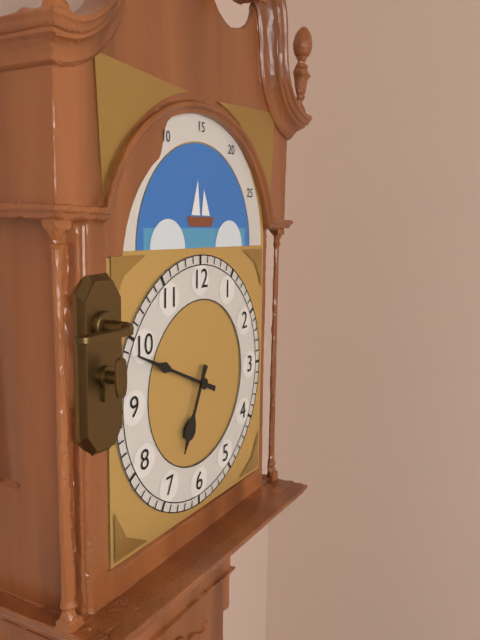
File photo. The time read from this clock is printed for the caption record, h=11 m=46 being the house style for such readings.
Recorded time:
h=6 m=49
